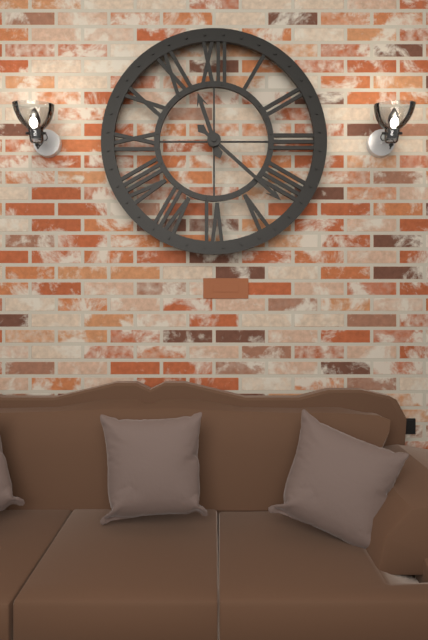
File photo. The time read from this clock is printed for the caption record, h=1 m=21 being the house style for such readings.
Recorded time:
h=11 m=22
